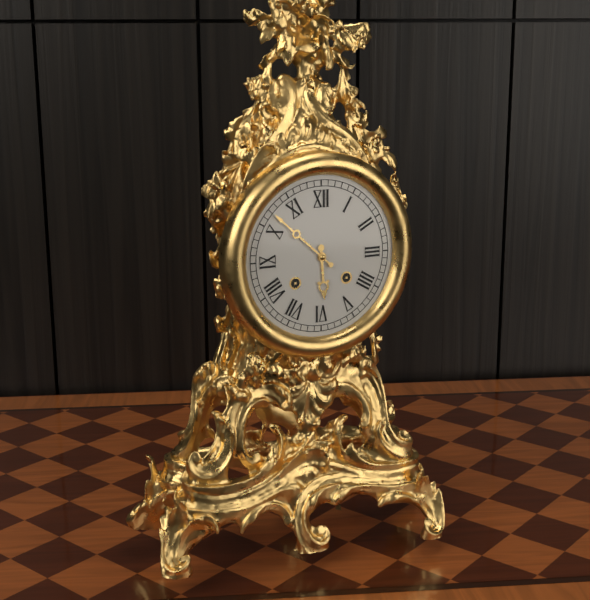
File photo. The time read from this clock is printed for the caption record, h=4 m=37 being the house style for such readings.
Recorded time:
h=5 m=52
